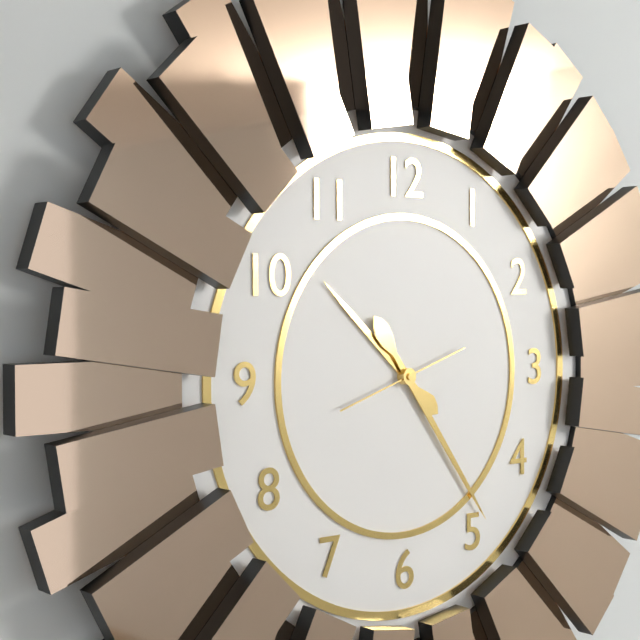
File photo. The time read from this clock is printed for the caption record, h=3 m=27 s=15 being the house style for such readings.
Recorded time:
h=10 m=24 s=42
